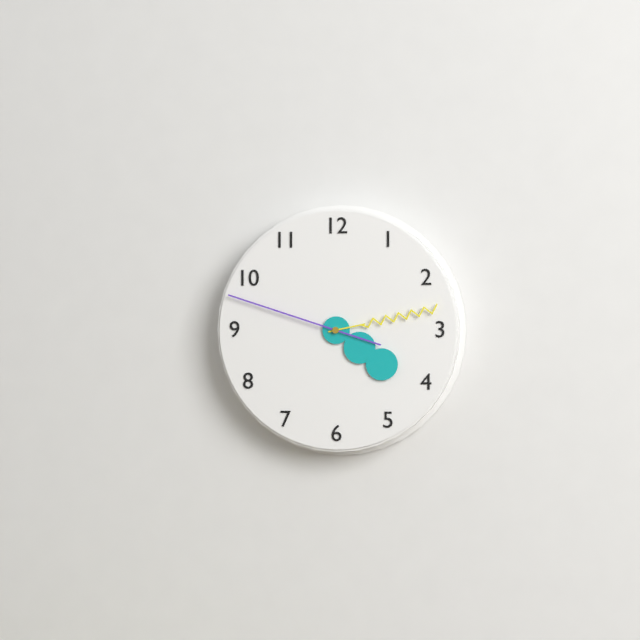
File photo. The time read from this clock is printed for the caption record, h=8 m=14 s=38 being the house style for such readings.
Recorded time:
h=4 m=13 s=48
